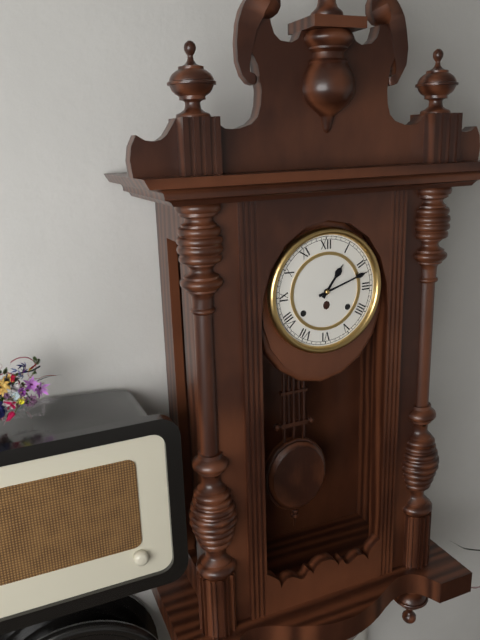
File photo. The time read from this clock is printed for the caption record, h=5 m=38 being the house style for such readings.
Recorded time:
h=1 m=12
